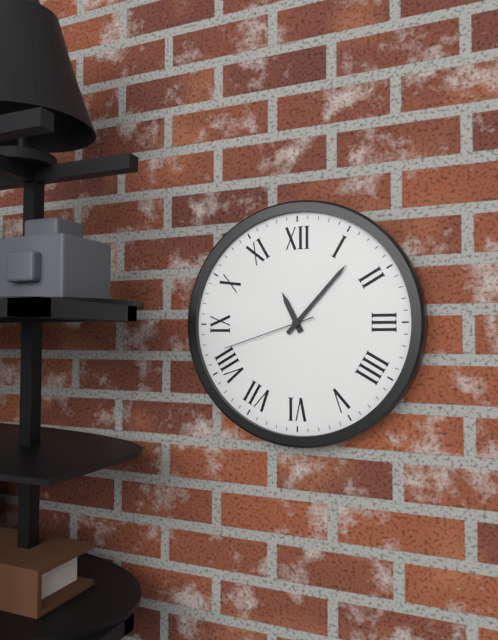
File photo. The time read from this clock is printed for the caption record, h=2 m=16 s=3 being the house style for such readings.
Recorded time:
h=11 m=7 s=42
